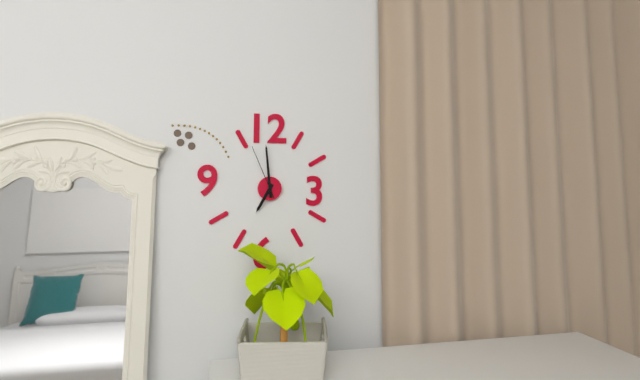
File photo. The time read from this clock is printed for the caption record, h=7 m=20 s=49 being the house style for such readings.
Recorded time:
h=6 m=59 s=56
